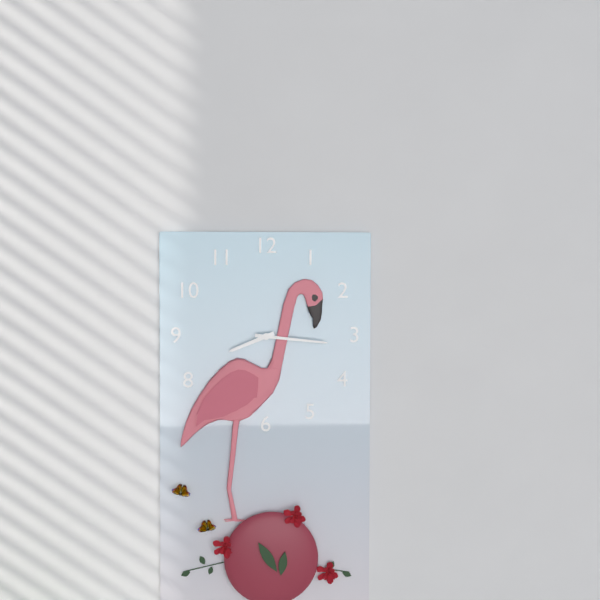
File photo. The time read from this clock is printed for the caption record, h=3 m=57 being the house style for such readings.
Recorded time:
h=8 m=16
